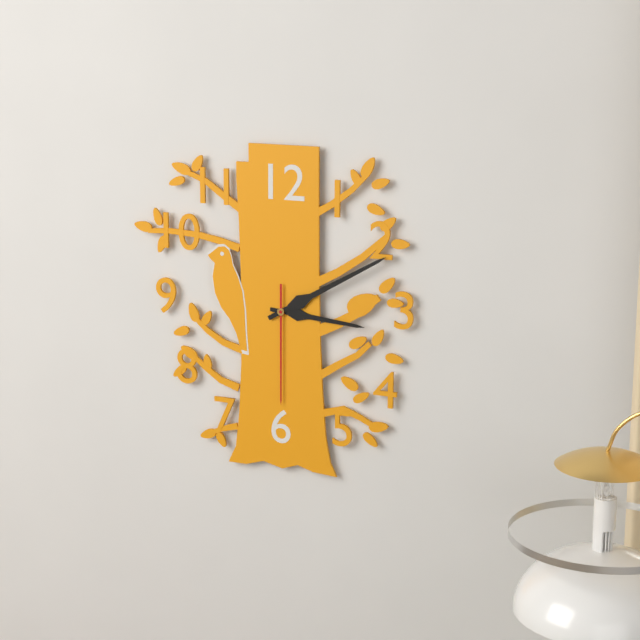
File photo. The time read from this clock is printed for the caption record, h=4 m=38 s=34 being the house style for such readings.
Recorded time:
h=3 m=10 s=30
